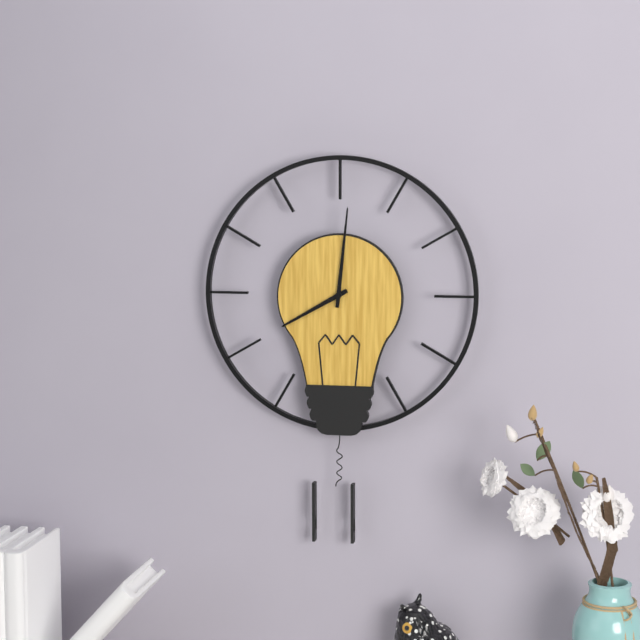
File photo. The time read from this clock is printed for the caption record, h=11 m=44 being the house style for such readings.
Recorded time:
h=8 m=1
